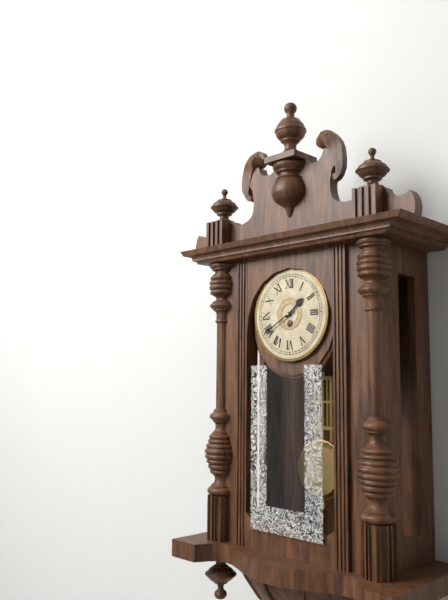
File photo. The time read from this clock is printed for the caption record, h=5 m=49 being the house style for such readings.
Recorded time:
h=1 m=40
